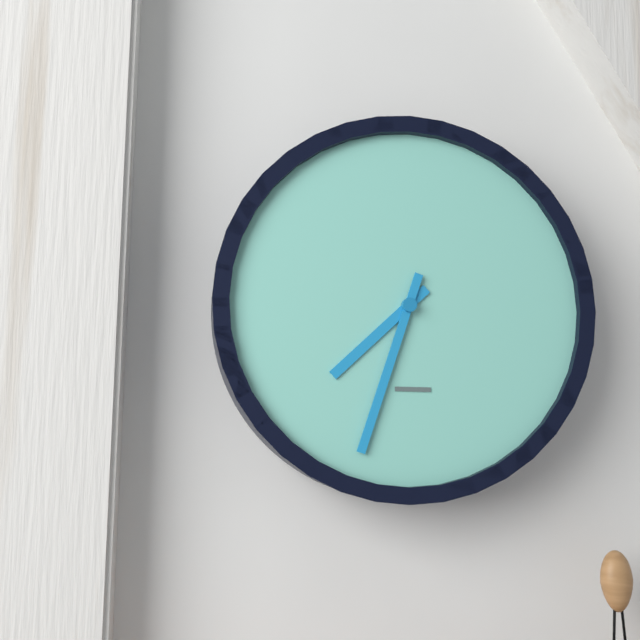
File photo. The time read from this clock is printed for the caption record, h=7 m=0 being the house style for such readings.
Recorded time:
h=7 m=33
